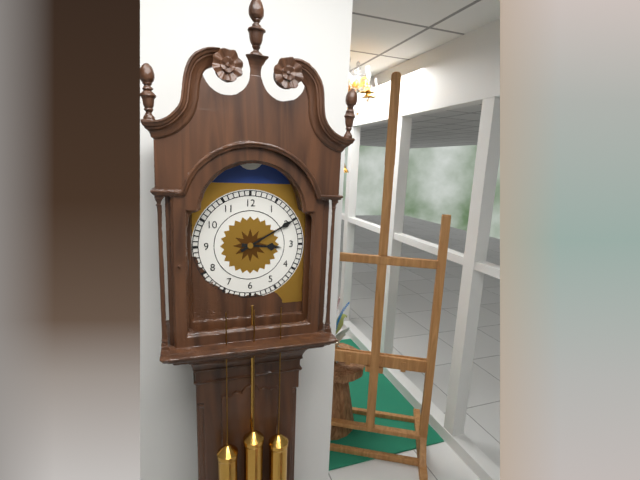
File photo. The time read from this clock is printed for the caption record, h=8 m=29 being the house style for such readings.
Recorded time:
h=3 m=10
